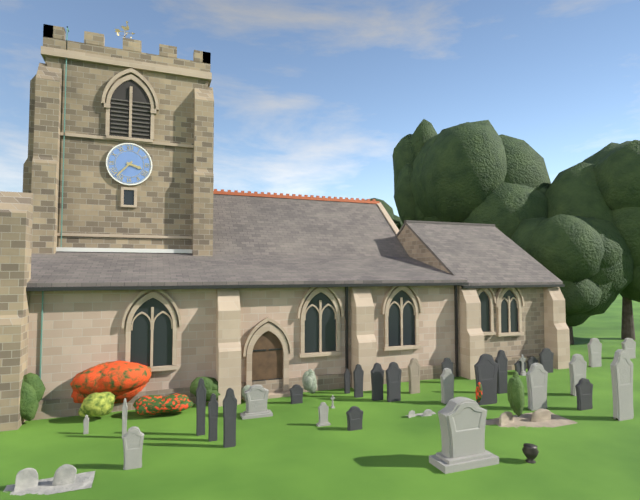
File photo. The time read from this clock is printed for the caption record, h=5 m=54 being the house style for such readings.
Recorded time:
h=3 m=37
